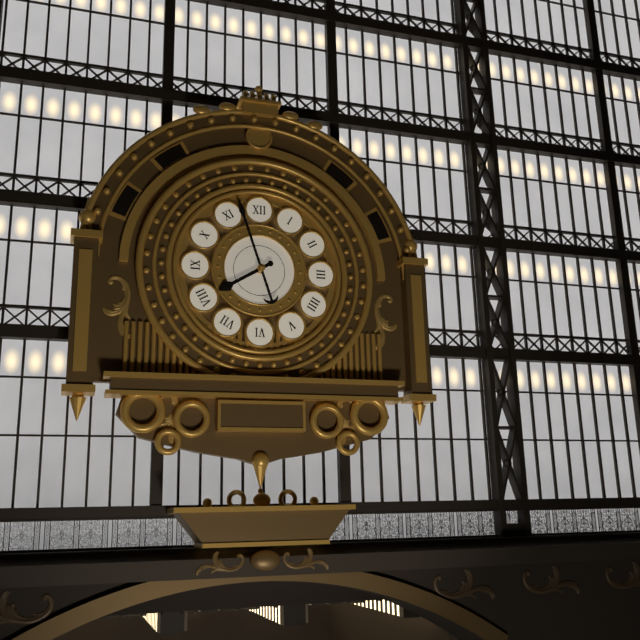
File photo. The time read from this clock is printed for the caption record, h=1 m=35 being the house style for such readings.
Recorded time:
h=7 m=57
